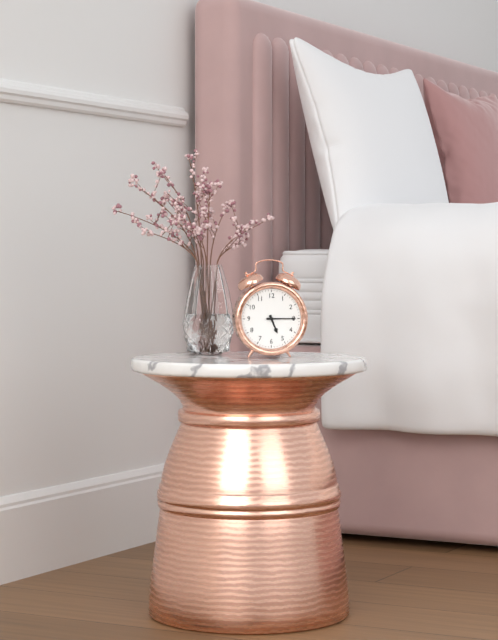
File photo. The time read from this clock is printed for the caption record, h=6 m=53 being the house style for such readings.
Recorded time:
h=5 m=15
